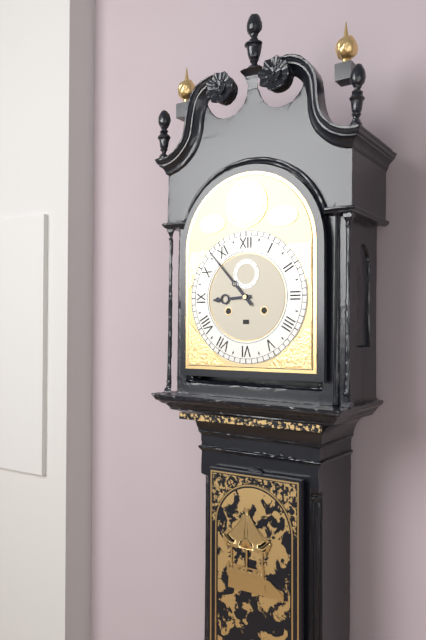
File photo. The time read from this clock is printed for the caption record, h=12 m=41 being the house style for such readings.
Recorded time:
h=8 m=53
